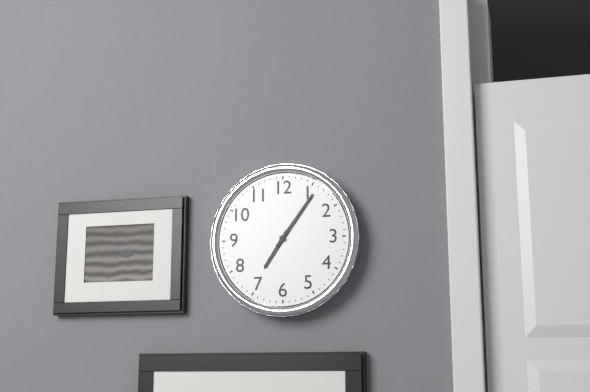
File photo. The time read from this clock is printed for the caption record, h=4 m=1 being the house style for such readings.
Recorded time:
h=7 m=6
